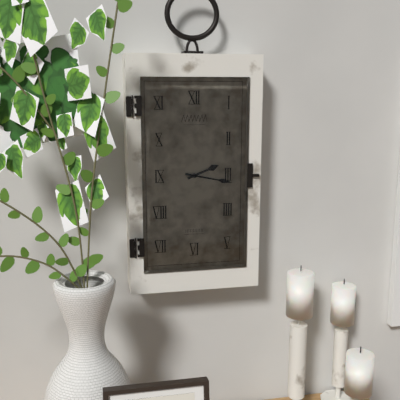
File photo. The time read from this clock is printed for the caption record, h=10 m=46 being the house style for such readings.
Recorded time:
h=2 m=17
